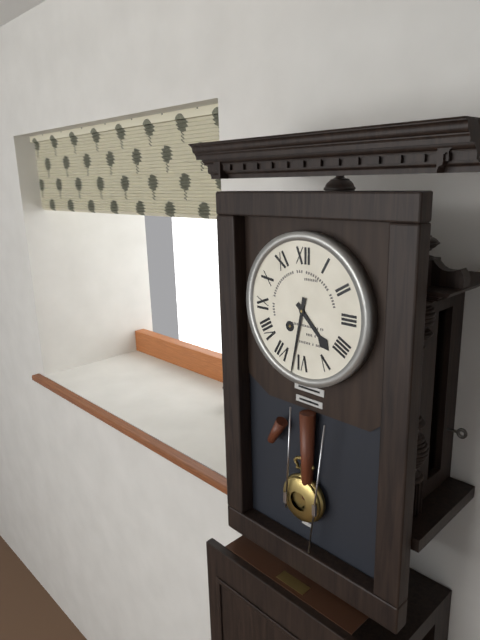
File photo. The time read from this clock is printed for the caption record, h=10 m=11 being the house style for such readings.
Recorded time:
h=4 m=32
